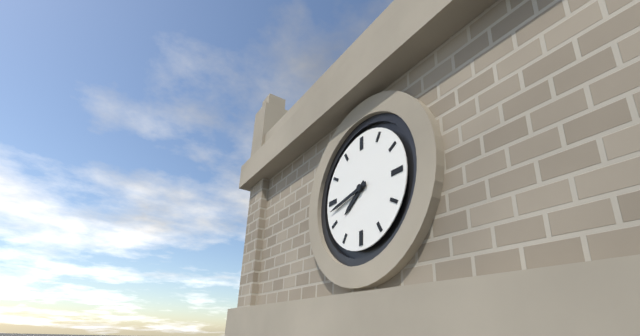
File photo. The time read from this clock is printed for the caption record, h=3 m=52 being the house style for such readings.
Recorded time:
h=7 m=43
